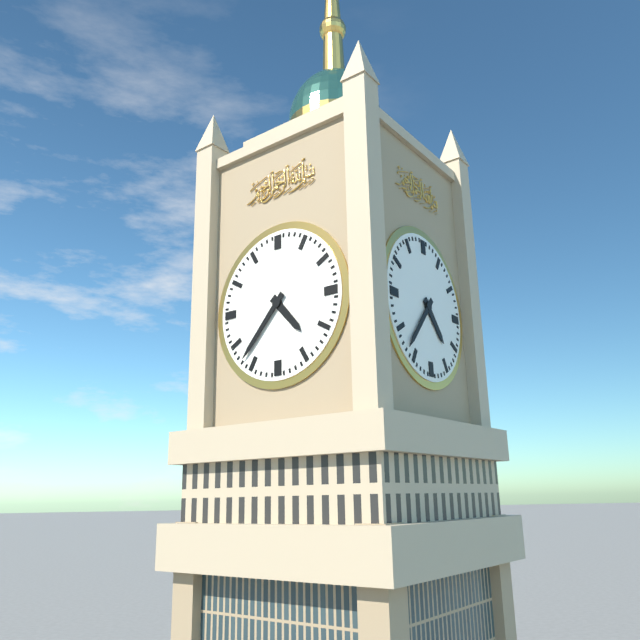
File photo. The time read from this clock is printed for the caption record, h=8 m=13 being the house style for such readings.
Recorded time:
h=4 m=37
